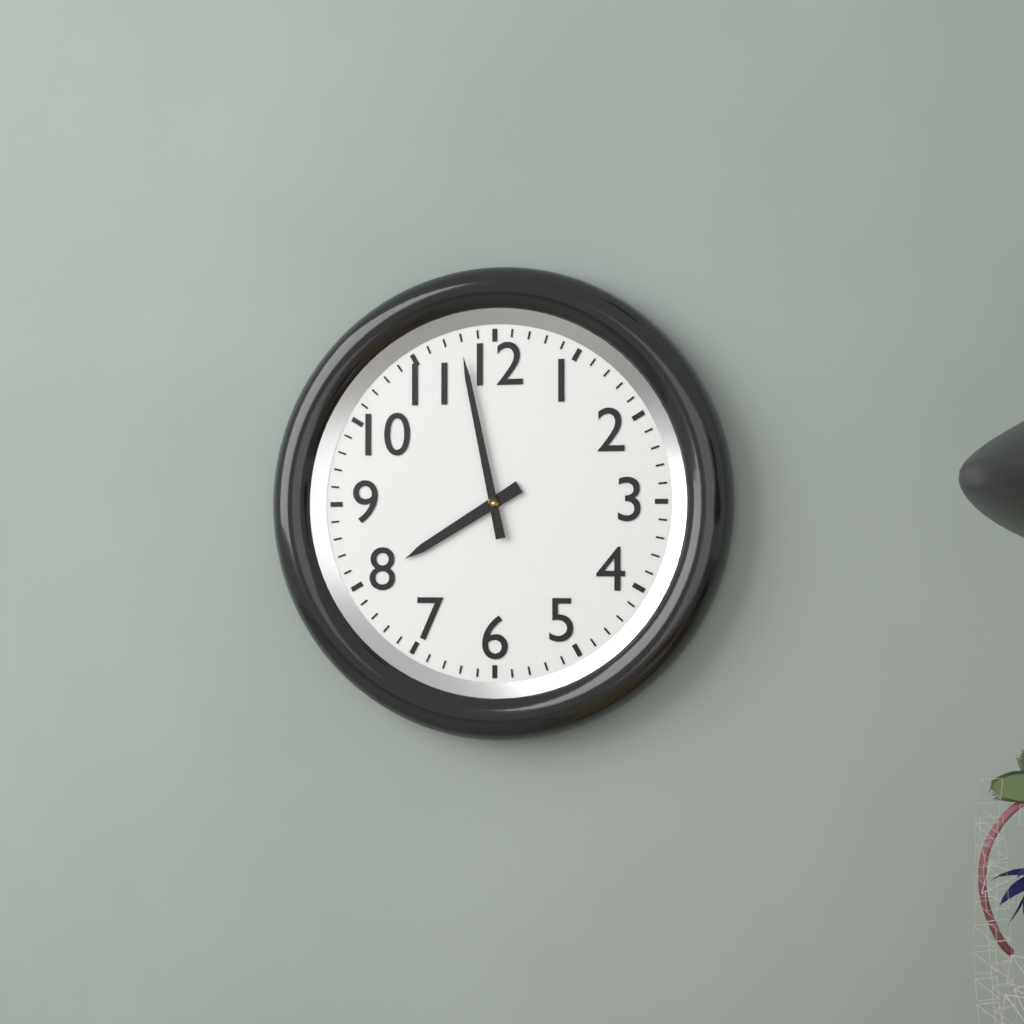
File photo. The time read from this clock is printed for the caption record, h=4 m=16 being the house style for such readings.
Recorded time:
h=7 m=58
